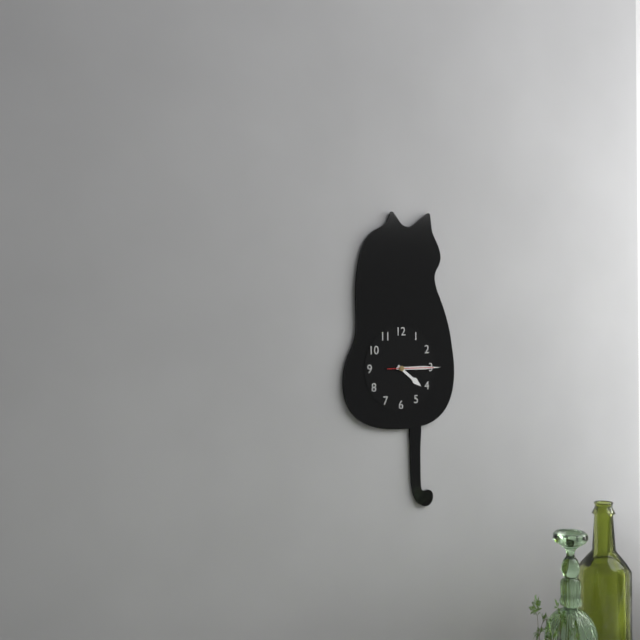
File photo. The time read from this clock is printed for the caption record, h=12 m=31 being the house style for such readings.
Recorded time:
h=4 m=15
